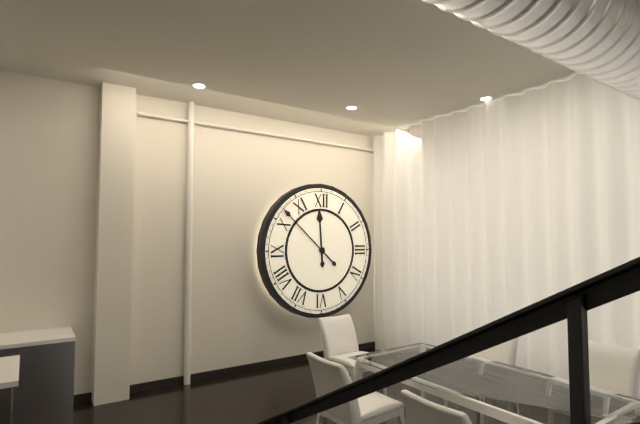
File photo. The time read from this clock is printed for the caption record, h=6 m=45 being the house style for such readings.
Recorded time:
h=11 m=52
